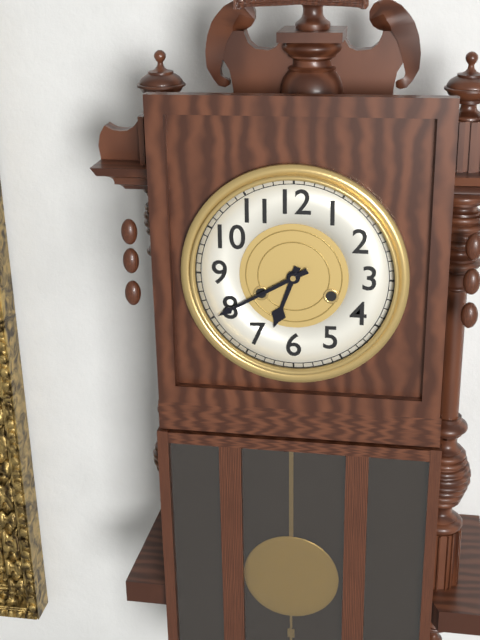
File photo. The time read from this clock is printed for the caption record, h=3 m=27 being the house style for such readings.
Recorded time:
h=6 m=40
